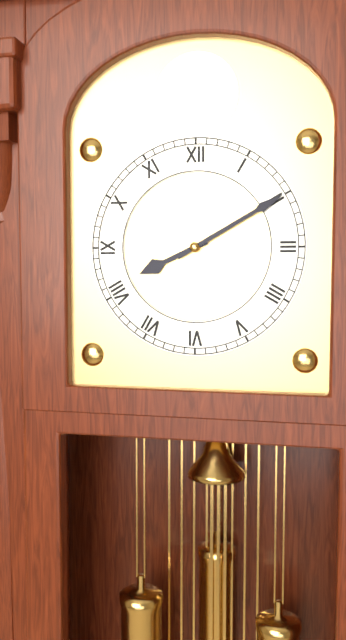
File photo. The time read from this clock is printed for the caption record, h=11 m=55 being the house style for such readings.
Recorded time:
h=8 m=10
